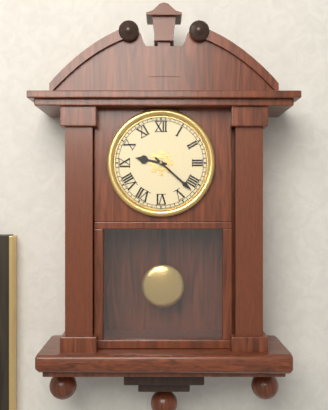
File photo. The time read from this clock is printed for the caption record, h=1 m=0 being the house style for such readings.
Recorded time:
h=9 m=22
